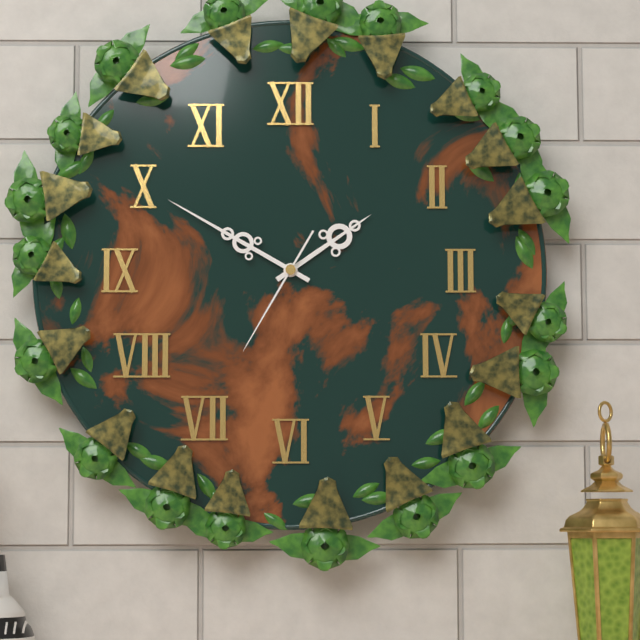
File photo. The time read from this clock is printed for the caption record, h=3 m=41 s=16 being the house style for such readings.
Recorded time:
h=1 m=50 s=35
